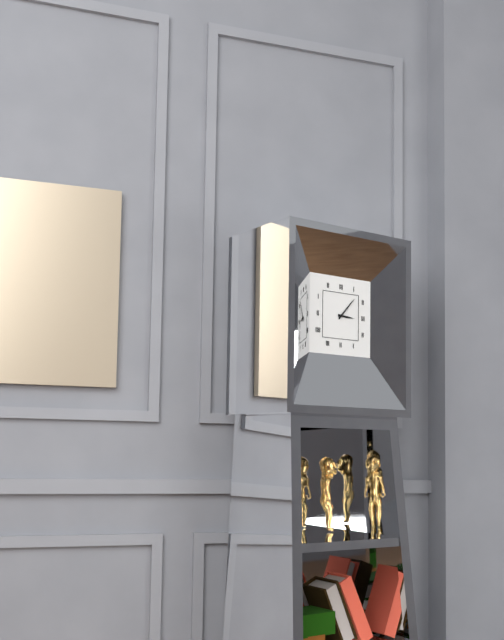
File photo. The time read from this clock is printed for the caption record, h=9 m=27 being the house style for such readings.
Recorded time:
h=3 m=7
